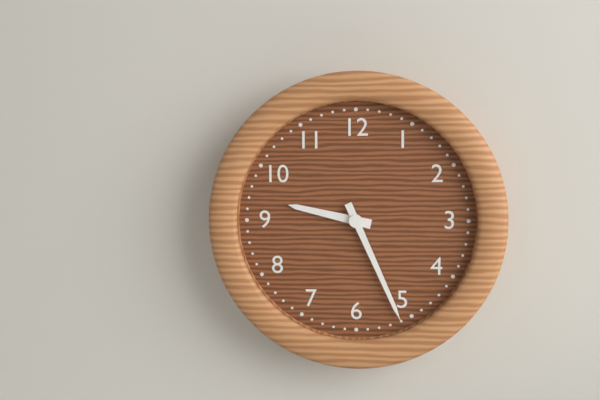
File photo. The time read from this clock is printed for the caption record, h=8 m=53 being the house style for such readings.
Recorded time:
h=9 m=26
